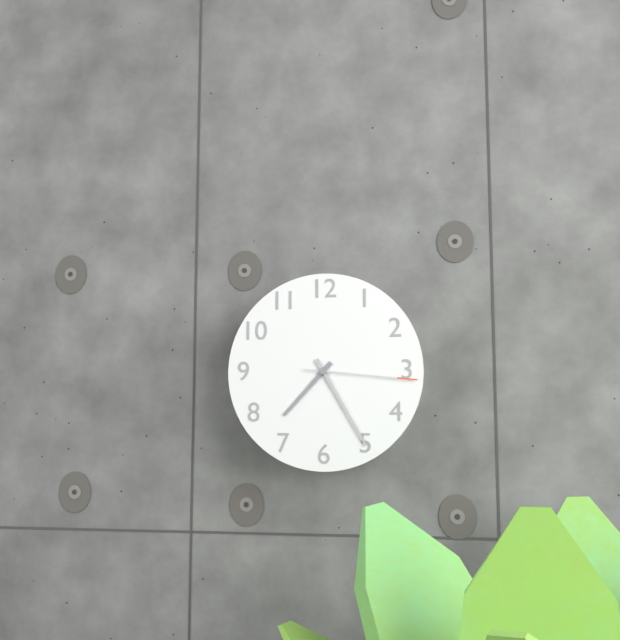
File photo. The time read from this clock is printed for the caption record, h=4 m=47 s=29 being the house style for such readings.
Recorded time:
h=7 m=25 s=16
